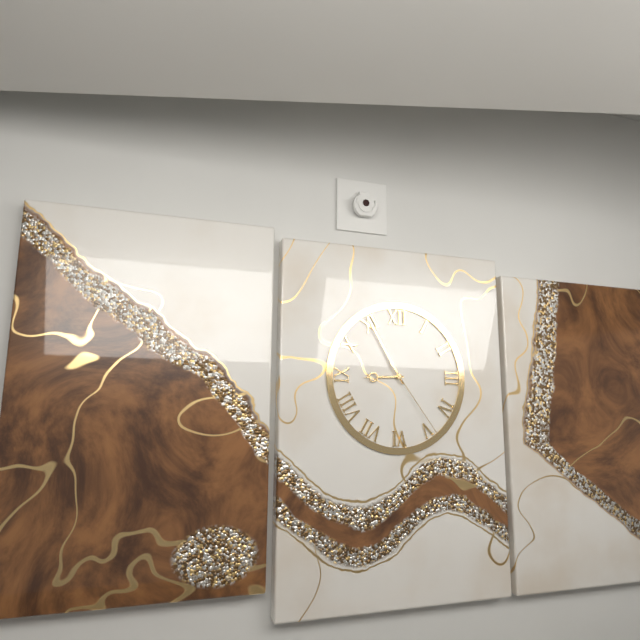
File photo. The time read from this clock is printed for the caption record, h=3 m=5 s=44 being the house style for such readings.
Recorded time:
h=8 m=55 s=24
